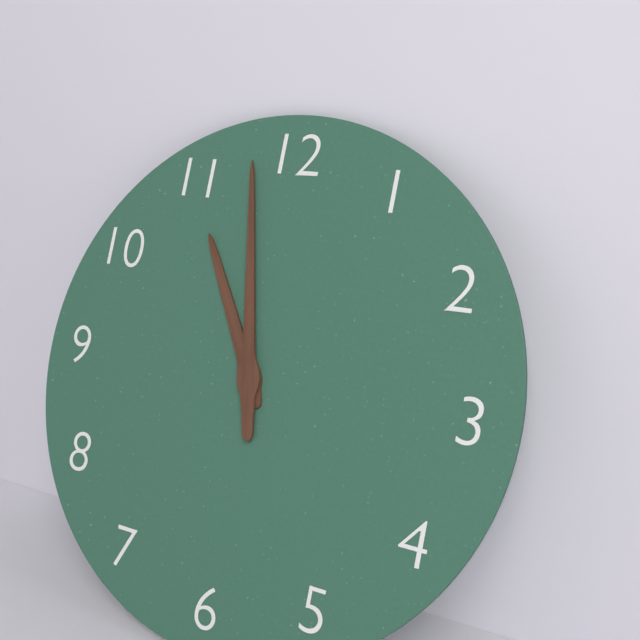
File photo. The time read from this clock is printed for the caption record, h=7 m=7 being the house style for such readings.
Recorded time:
h=10 m=58
